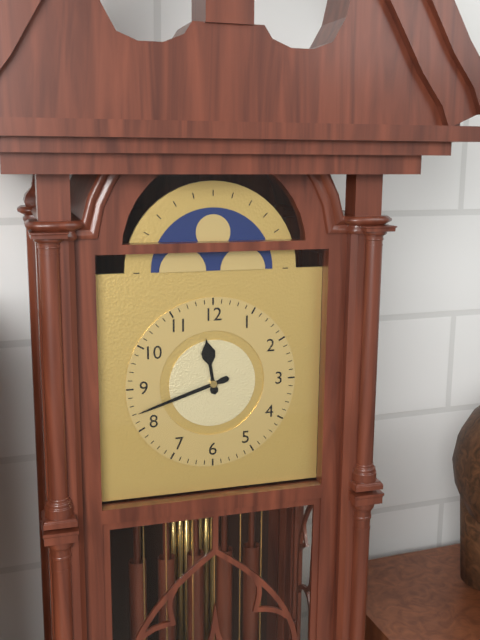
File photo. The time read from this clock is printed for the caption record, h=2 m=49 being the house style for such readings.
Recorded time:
h=11 m=42
